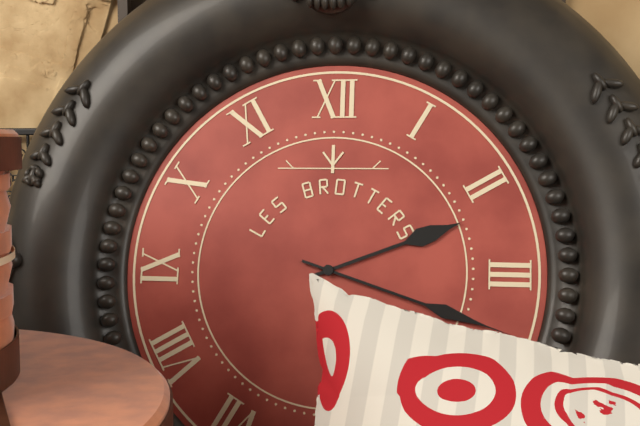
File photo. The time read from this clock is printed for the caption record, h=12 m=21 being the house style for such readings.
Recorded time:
h=2 m=18
